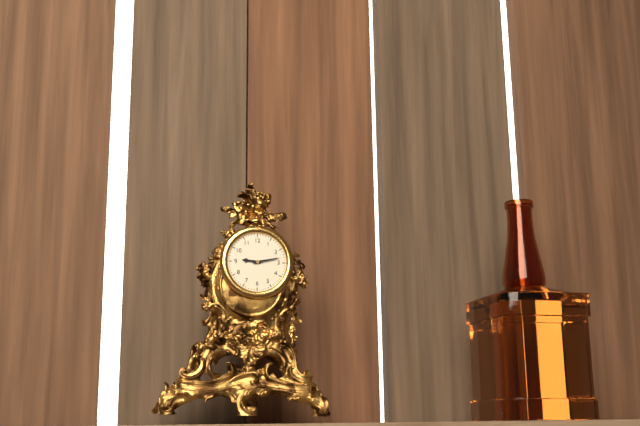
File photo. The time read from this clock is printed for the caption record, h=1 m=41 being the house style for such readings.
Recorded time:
h=9 m=13
